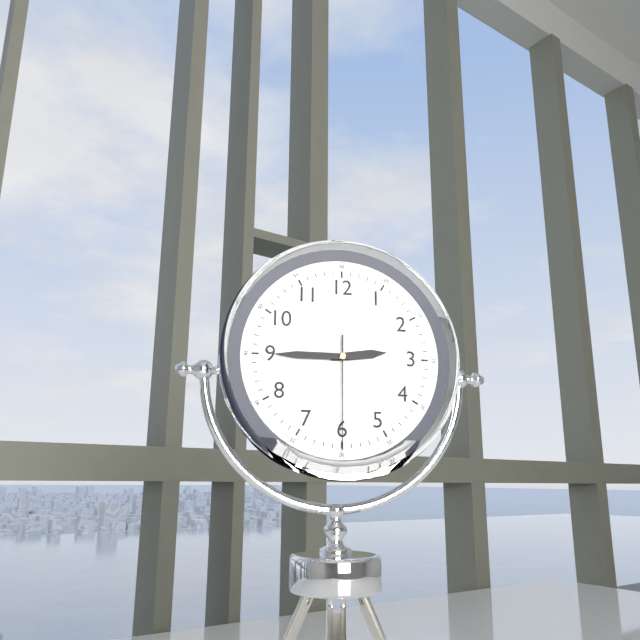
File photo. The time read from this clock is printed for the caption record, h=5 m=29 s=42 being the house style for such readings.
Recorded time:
h=2 m=45 s=30
